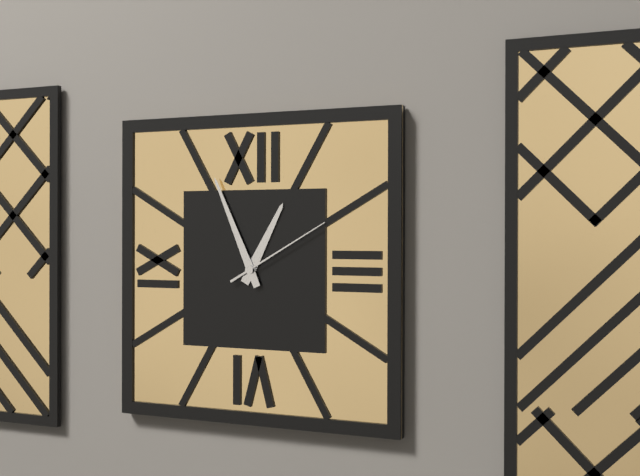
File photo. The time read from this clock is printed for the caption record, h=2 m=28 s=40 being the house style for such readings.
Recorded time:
h=12 m=56 s=10
